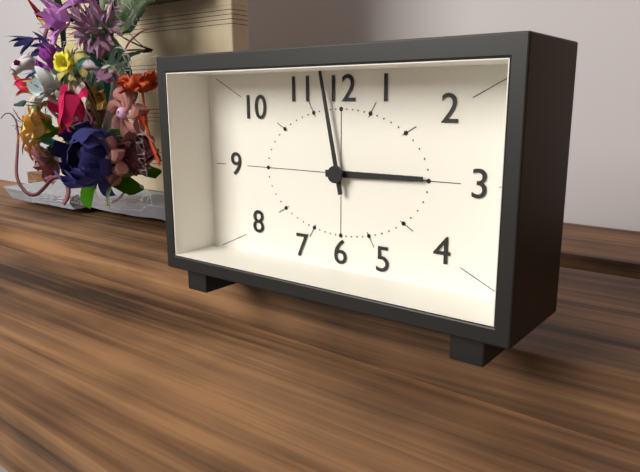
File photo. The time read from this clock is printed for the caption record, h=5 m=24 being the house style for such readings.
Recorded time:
h=2 m=58
